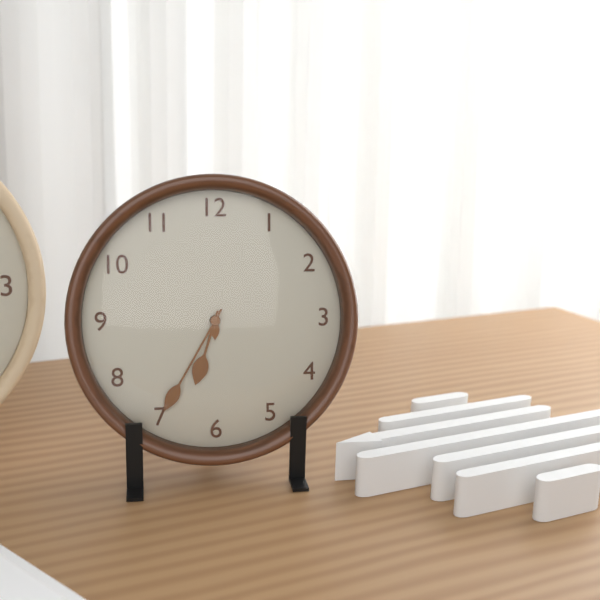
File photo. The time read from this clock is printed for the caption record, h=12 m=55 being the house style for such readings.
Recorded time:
h=6 m=35
